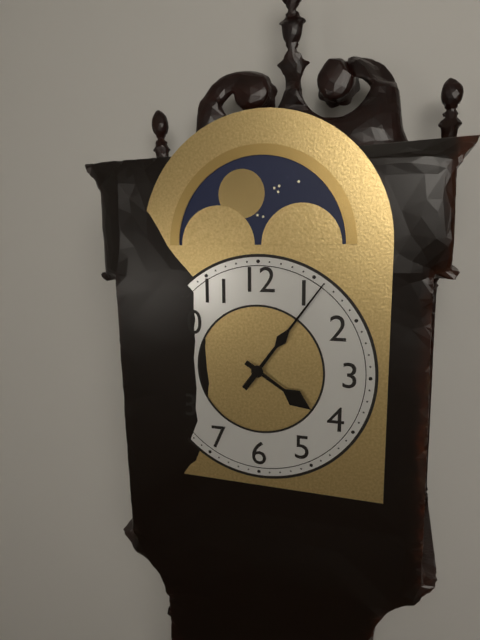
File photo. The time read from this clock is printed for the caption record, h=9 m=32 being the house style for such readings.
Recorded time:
h=4 m=6
